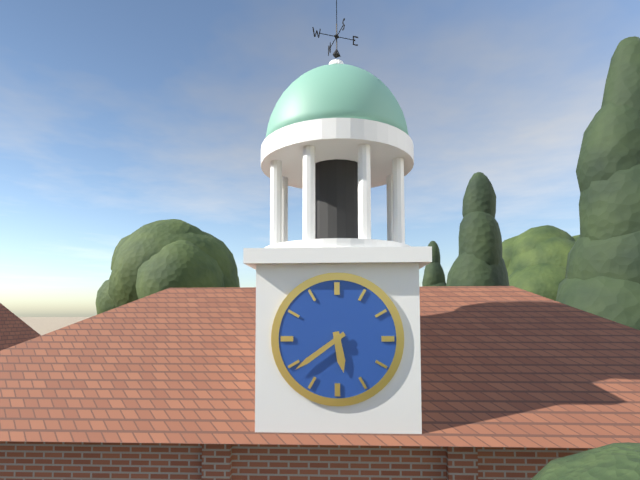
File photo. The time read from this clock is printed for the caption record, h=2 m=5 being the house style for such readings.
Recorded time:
h=5 m=39
